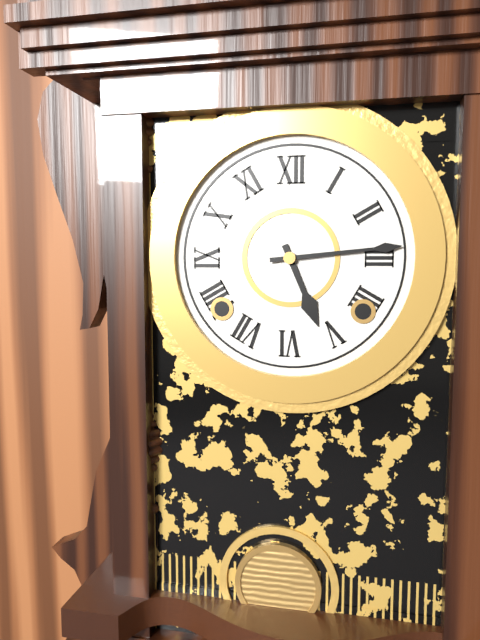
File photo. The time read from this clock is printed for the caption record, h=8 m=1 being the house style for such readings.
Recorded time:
h=5 m=14
